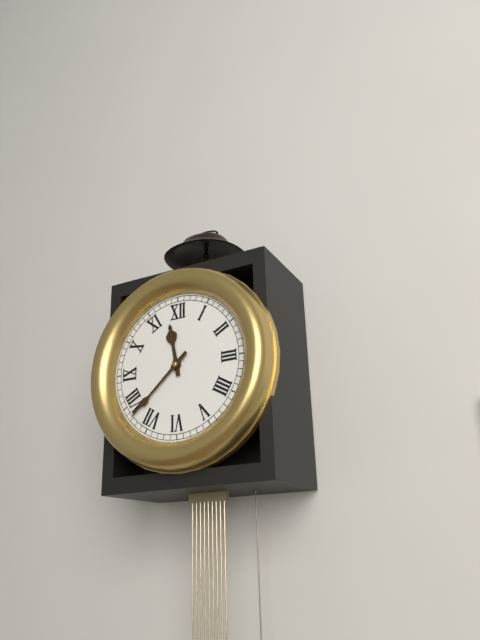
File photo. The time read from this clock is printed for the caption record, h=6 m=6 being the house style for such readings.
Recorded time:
h=11 m=38
